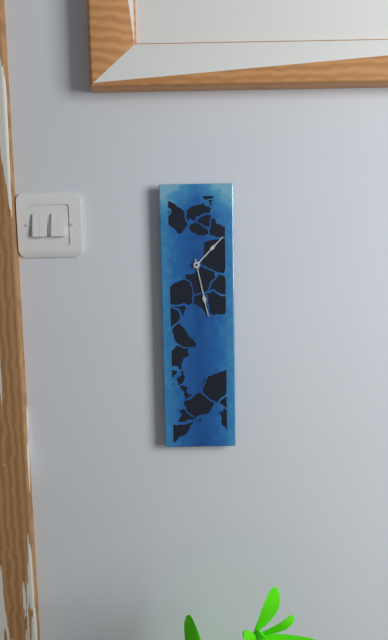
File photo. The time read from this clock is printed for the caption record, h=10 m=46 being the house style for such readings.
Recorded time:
h=1 m=28
